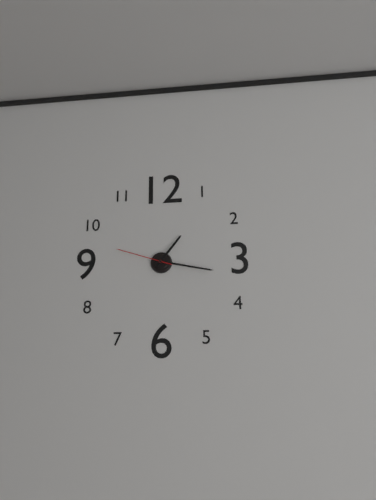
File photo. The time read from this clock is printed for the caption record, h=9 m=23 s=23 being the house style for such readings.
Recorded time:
h=1 m=17 s=48
